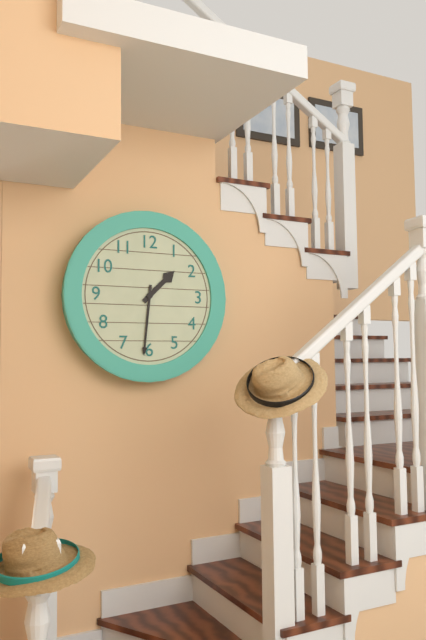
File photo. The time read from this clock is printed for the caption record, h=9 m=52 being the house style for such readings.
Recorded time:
h=1 m=31
